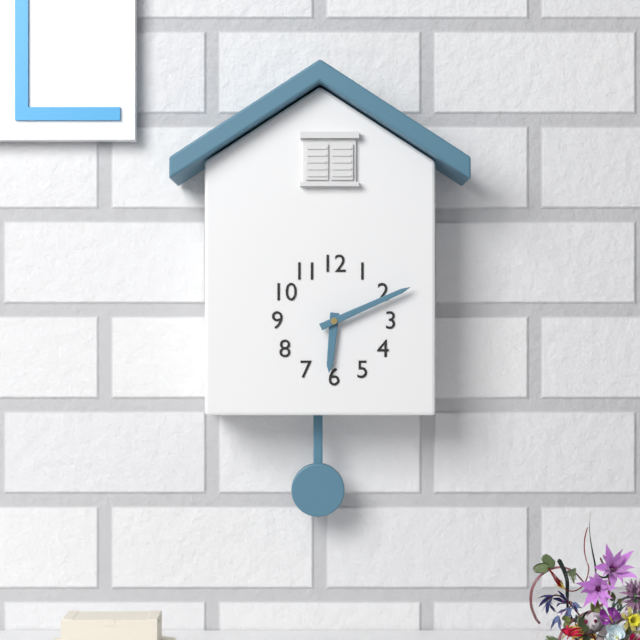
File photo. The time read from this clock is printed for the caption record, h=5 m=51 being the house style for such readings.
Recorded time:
h=6 m=11
